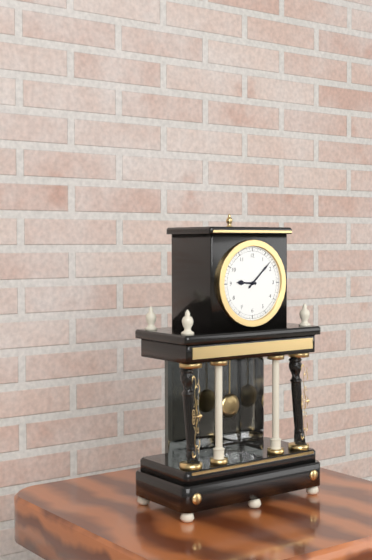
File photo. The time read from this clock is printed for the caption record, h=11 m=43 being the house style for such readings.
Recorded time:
h=9 m=8
